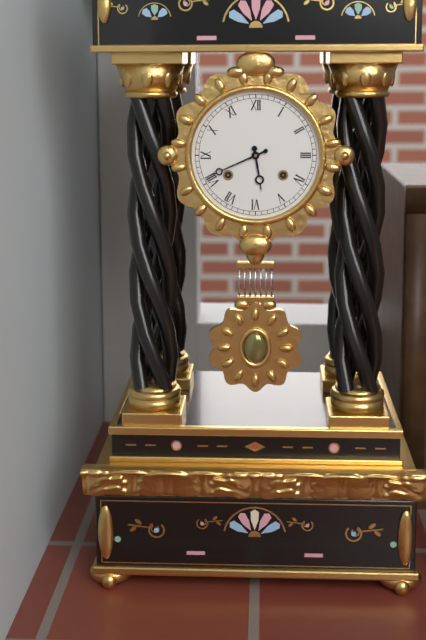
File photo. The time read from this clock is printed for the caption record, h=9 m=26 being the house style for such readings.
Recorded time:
h=5 m=41
